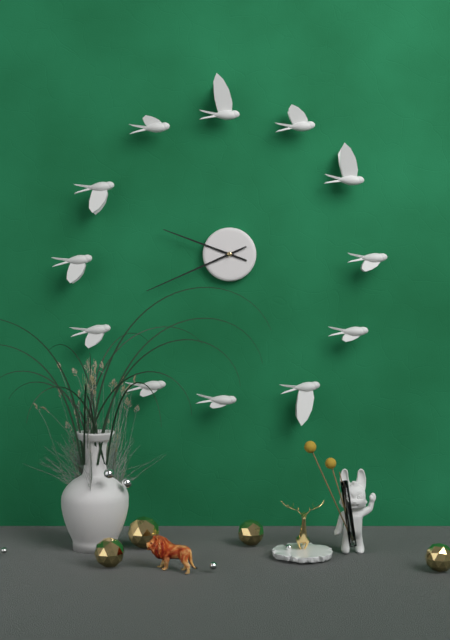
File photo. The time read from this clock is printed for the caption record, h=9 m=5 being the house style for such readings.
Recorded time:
h=9 m=41
